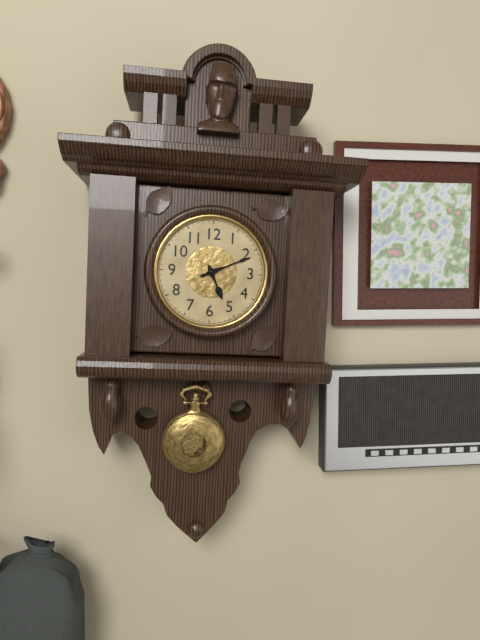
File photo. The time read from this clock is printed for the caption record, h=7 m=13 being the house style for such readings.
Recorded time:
h=5 m=11
